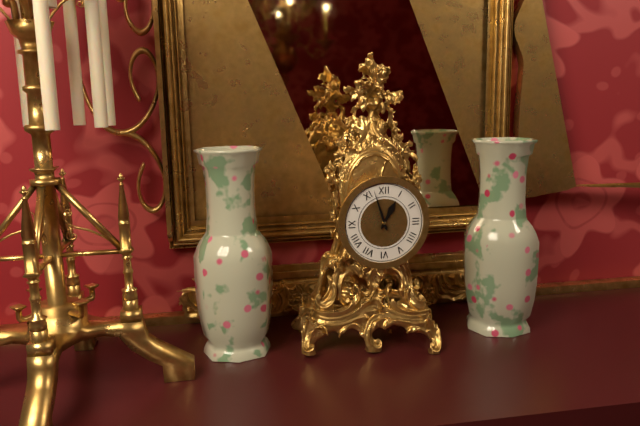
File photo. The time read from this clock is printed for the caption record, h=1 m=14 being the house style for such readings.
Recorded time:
h=12 m=57
